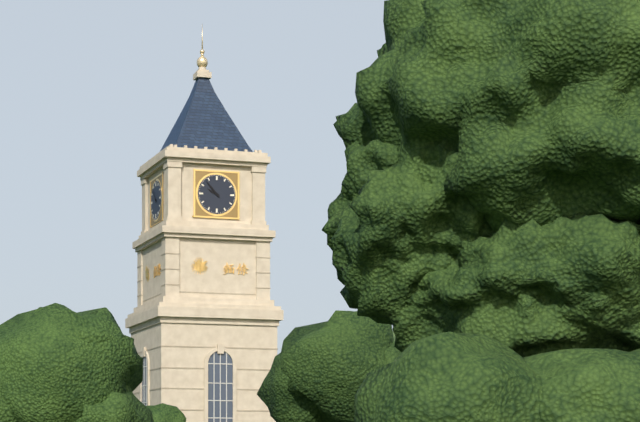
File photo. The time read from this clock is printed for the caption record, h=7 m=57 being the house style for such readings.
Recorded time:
h=9 m=53
